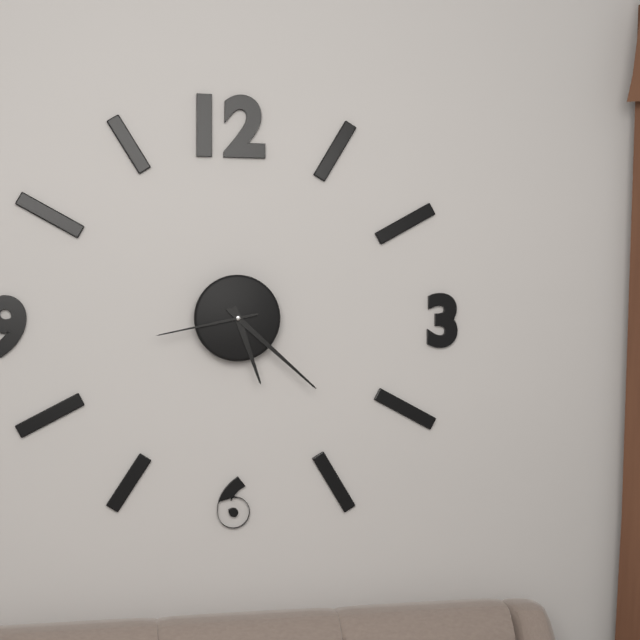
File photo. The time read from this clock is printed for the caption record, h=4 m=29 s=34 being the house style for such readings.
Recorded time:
h=5 m=22 s=43
